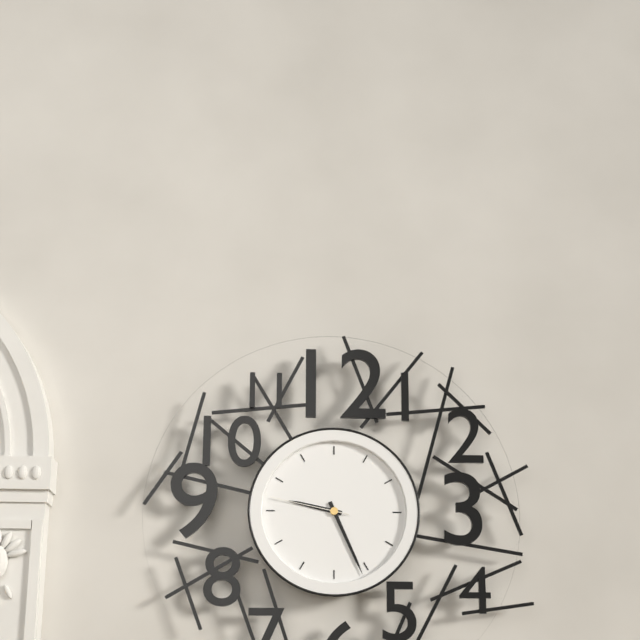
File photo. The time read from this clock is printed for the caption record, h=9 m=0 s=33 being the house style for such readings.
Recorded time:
h=9 m=26 s=47
